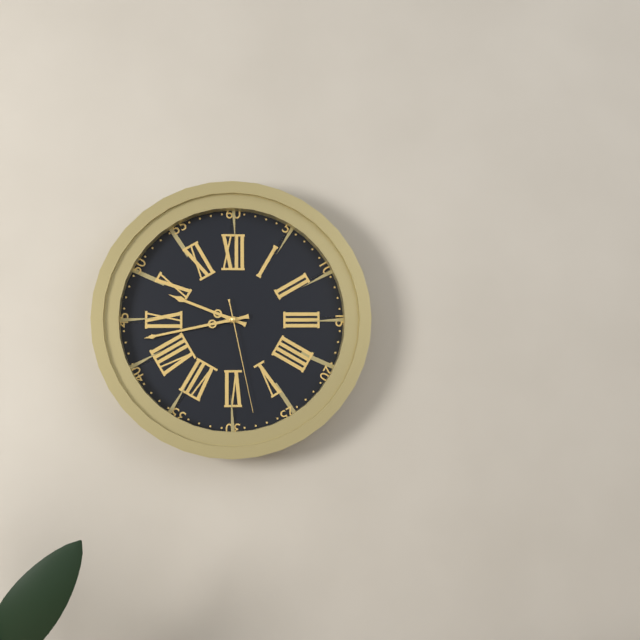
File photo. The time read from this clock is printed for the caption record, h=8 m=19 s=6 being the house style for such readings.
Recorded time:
h=9 m=43 s=28
